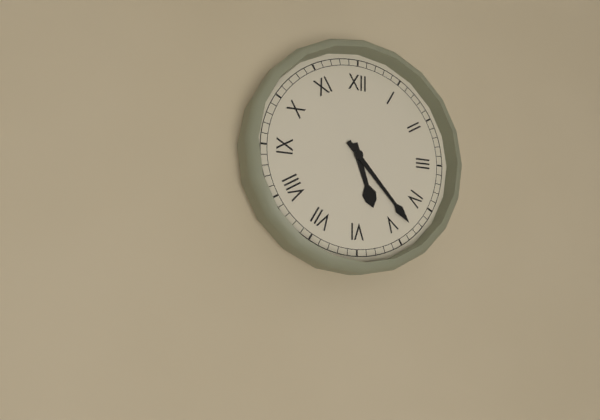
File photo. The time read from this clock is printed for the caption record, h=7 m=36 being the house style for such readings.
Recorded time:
h=5 m=23
